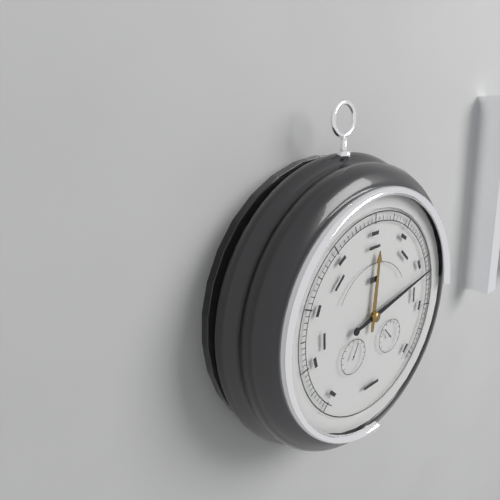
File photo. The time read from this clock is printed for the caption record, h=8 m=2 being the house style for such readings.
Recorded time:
h=12 m=13
